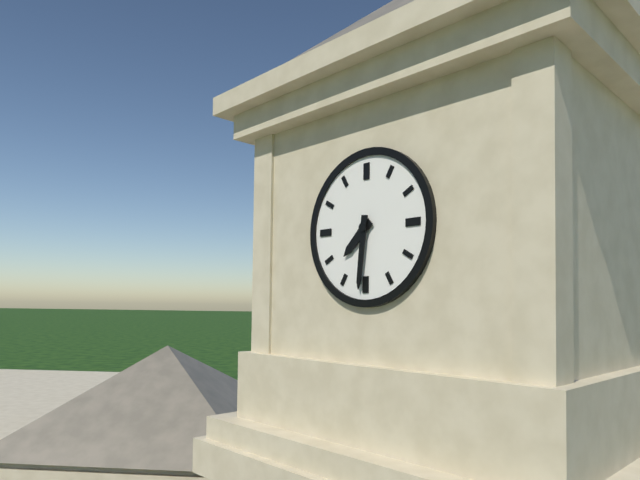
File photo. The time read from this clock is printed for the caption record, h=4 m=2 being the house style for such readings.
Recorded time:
h=7 m=31
